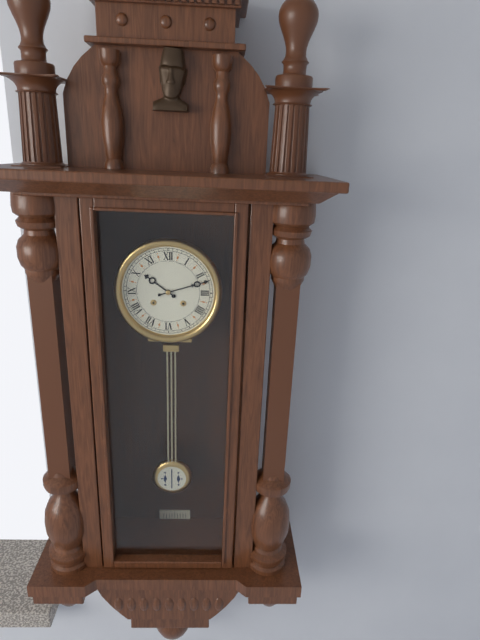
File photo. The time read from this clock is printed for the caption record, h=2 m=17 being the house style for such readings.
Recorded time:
h=10 m=12
